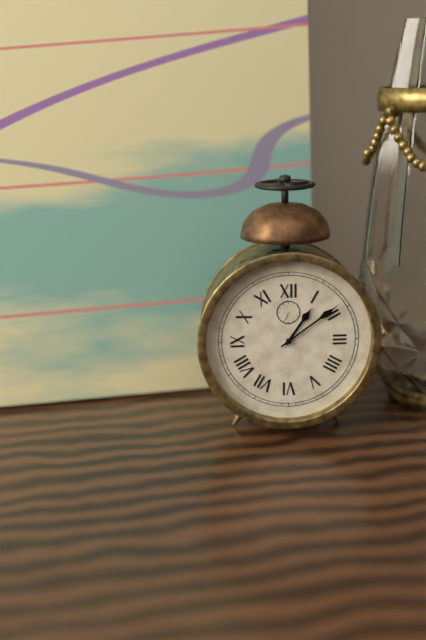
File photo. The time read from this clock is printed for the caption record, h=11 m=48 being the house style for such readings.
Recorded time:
h=1 m=9
